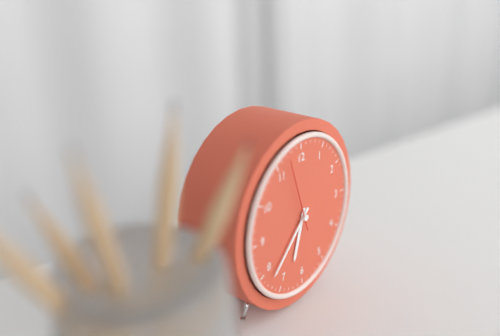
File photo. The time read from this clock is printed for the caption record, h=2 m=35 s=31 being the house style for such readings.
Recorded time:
h=6 m=38 s=57
